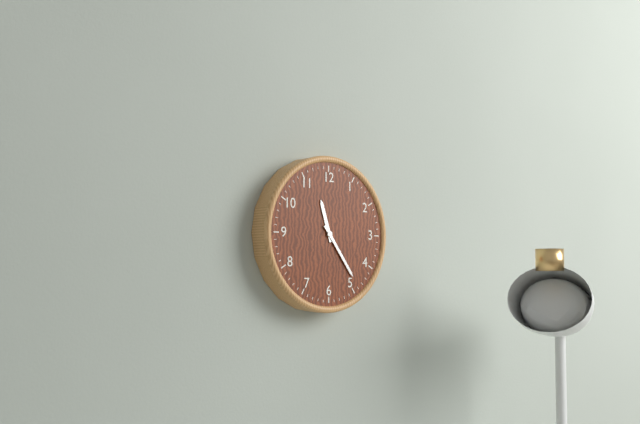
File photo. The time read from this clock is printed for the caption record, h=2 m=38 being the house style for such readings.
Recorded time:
h=11 m=24
